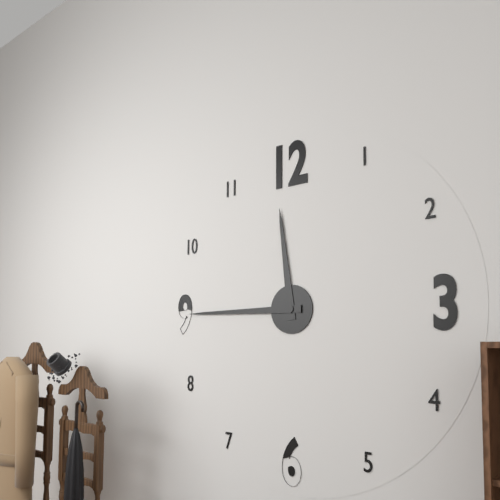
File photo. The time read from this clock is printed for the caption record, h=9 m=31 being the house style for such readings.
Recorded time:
h=11 m=45
